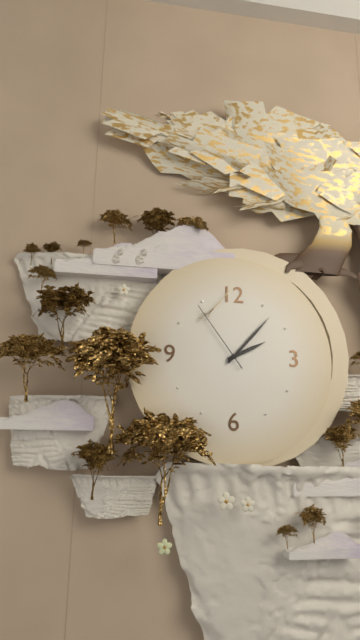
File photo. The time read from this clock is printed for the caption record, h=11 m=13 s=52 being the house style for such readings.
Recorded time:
h=2 m=7 s=54
